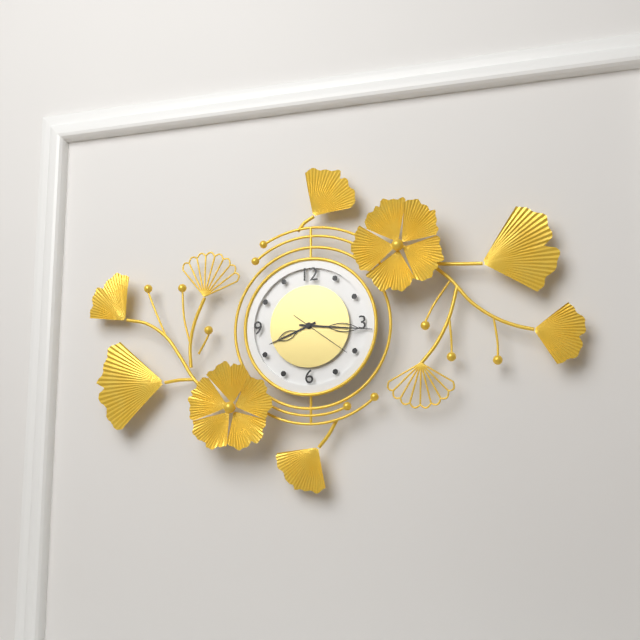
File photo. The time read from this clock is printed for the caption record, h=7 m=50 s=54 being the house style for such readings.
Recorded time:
h=8 m=16 s=21
